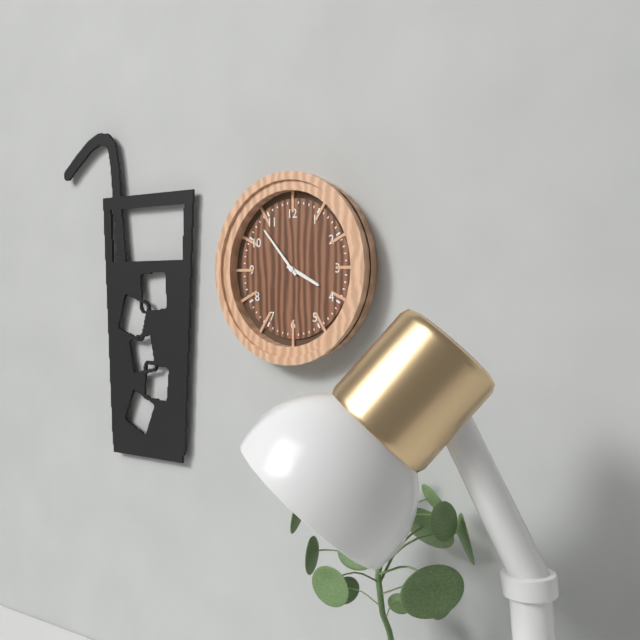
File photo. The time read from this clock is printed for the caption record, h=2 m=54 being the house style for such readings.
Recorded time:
h=3 m=53
